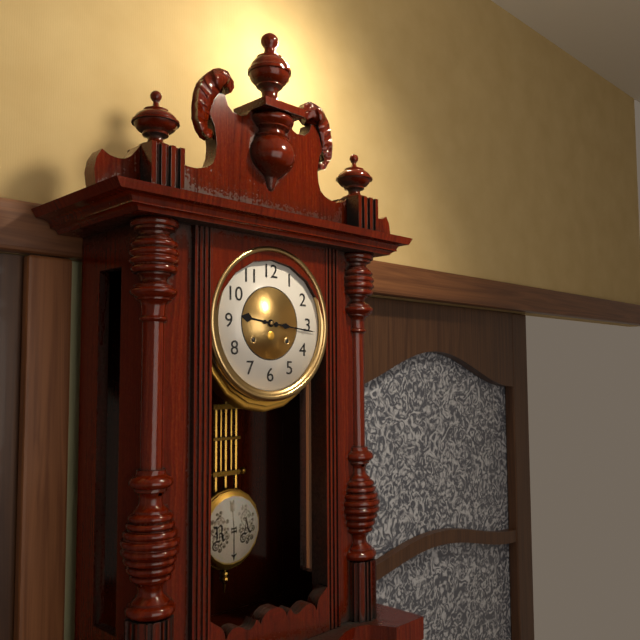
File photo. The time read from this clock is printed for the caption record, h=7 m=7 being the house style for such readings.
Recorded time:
h=9 m=16
